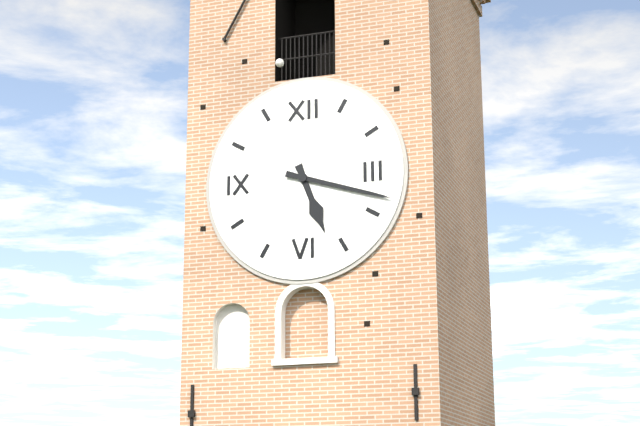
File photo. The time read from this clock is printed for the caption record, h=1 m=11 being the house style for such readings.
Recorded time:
h=5 m=18
